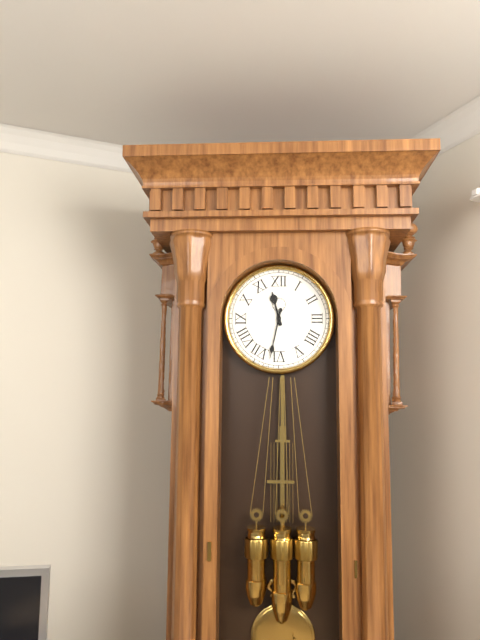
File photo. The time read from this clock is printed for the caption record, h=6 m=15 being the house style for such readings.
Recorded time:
h=11 m=32
